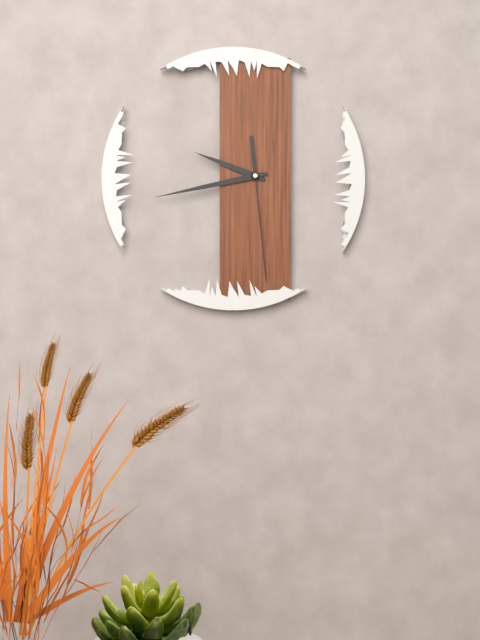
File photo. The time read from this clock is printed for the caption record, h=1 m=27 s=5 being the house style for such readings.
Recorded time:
h=9 m=43 s=29
